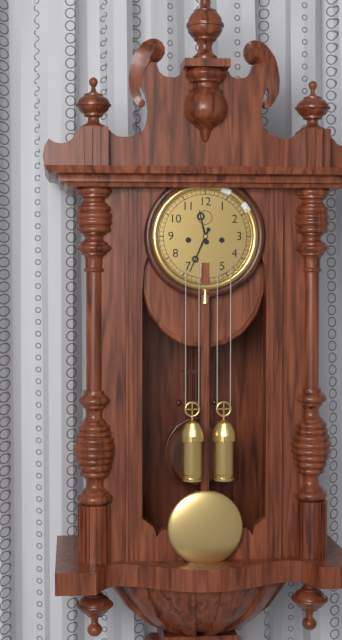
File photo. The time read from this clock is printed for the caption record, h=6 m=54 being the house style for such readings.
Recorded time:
h=11 m=34
